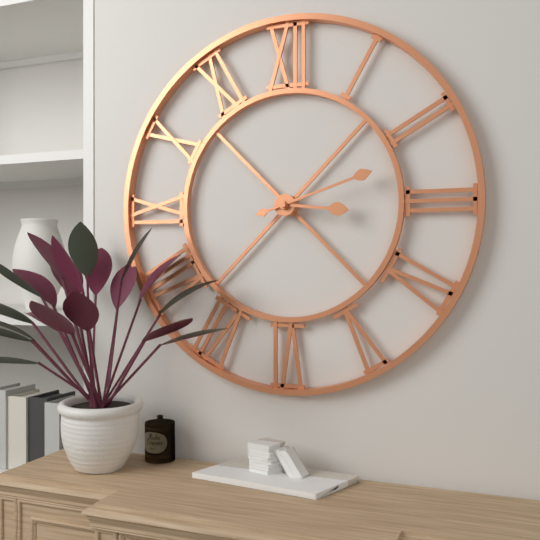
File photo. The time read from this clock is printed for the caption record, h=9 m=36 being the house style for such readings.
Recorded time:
h=3 m=12
